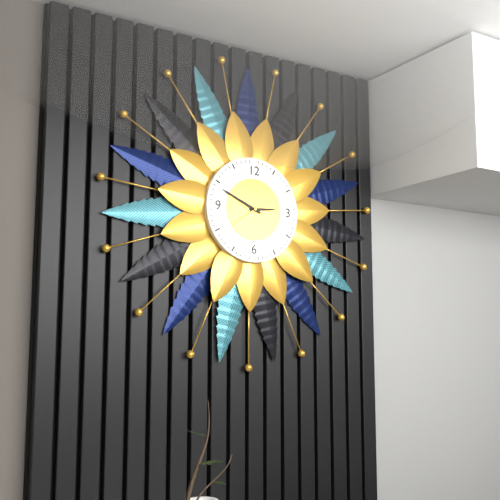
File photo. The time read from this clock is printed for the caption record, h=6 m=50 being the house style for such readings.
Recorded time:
h=2 m=49
